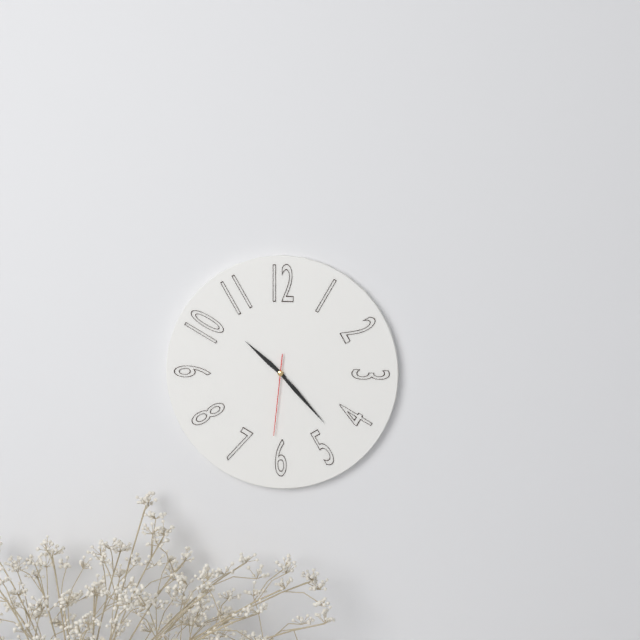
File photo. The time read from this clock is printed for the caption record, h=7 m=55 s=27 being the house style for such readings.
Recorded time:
h=10 m=23 s=31
